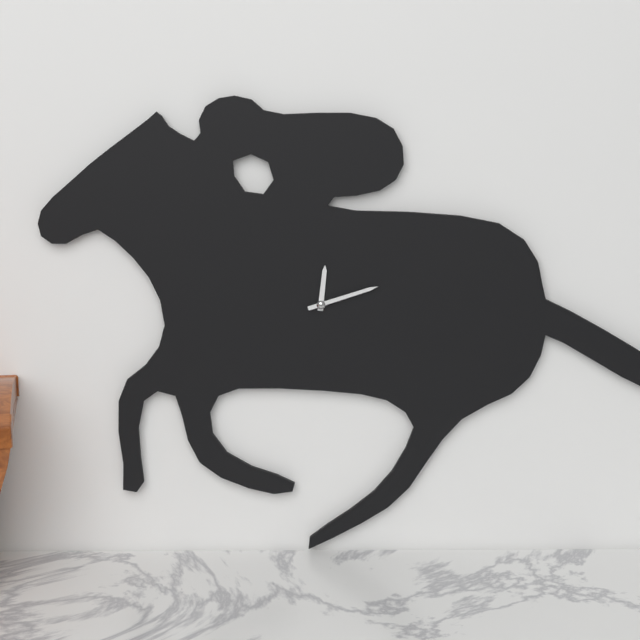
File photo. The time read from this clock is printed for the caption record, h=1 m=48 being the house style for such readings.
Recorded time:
h=12 m=12
